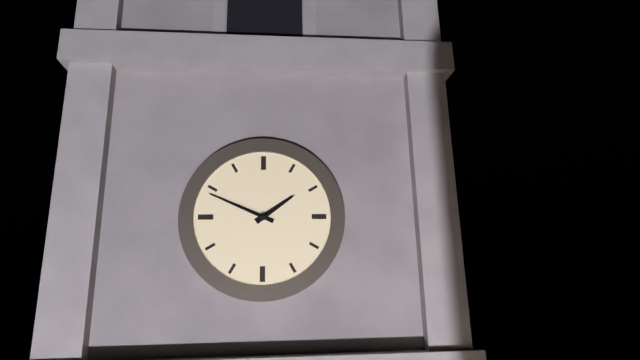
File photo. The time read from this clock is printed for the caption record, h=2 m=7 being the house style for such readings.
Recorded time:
h=1 m=49
